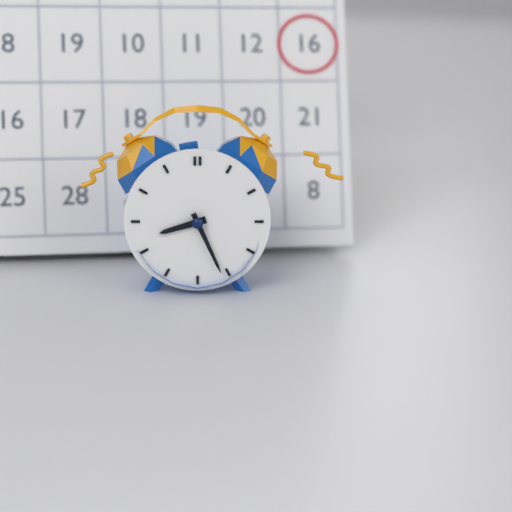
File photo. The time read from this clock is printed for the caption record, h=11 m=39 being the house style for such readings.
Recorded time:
h=8 m=26
